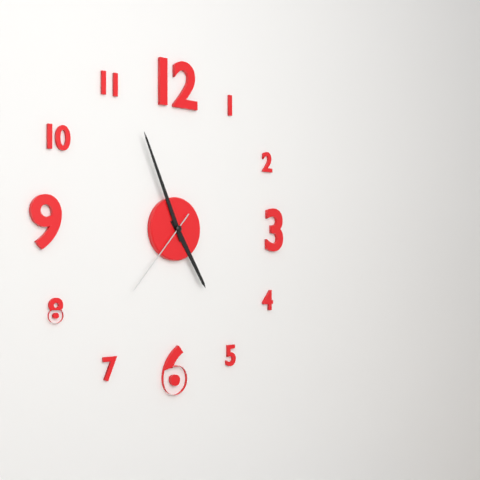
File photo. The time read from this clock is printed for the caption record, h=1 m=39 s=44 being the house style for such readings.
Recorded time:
h=4 m=56 s=37
